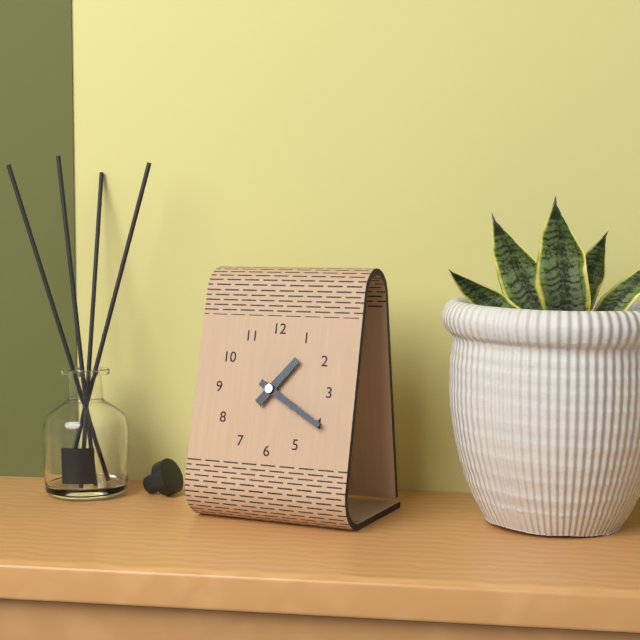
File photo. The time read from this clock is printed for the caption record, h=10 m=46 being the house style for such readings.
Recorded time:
h=1 m=20
